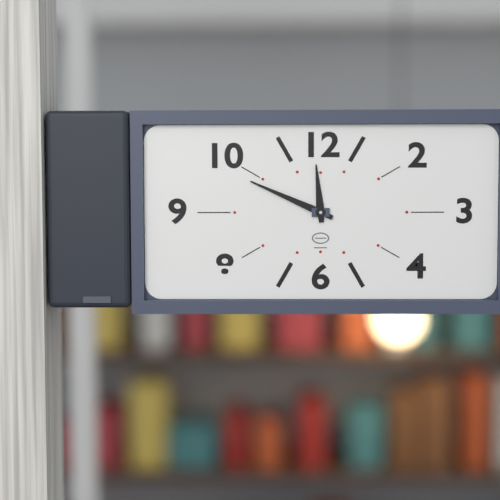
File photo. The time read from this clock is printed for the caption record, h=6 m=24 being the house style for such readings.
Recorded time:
h=11 m=49
